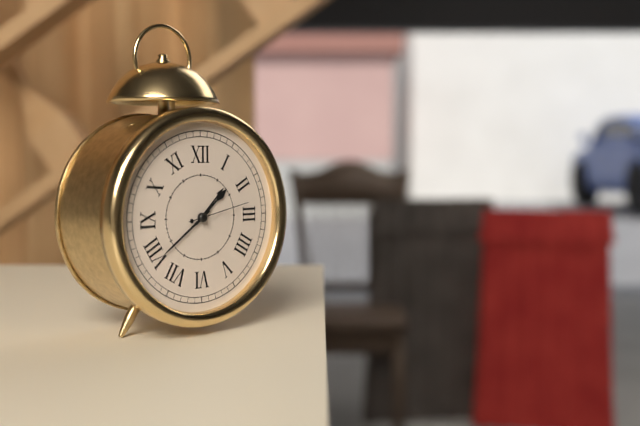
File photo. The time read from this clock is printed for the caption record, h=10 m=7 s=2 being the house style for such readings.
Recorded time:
h=1 m=39 s=13
